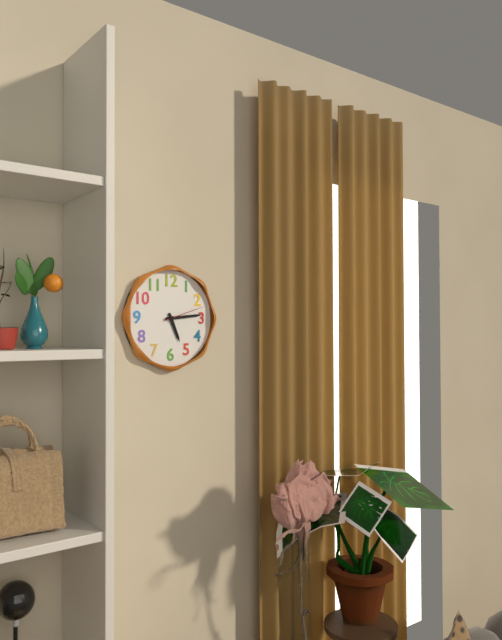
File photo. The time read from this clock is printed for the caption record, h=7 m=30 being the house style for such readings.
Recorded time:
h=5 m=14
